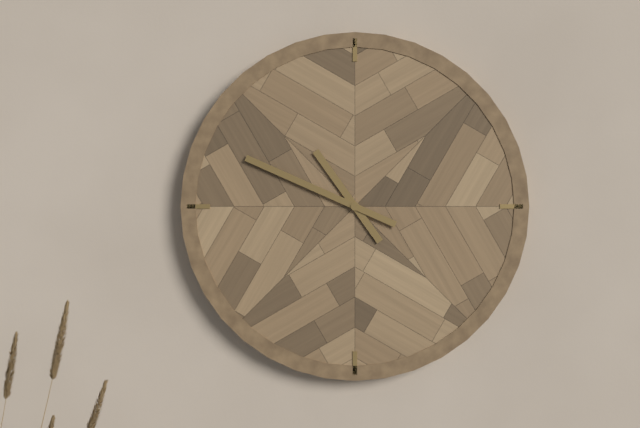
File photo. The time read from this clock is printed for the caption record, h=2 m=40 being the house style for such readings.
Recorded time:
h=10 m=49
